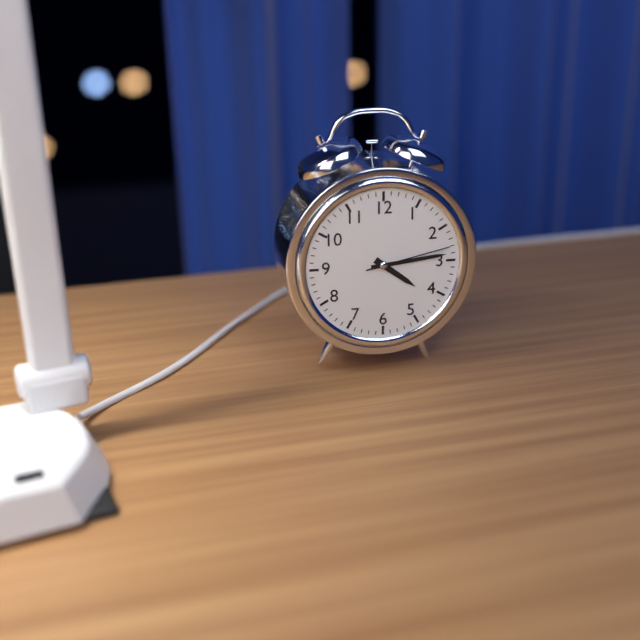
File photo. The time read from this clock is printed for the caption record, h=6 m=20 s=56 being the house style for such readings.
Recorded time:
h=4 m=14 s=13
